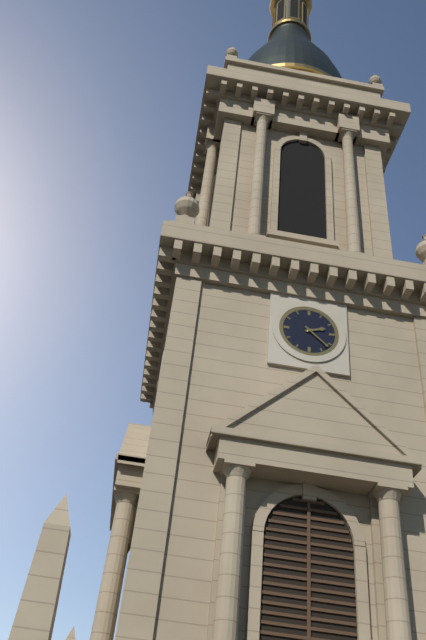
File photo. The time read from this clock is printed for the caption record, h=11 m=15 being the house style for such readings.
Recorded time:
h=2 m=22
